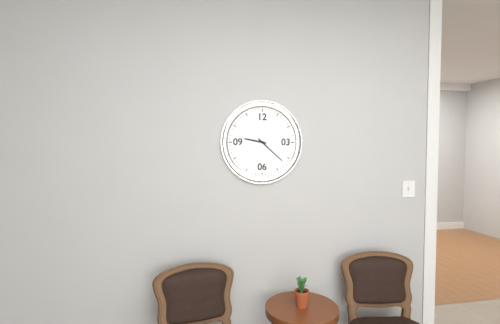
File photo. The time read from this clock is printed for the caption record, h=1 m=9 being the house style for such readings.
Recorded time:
h=9 m=22
